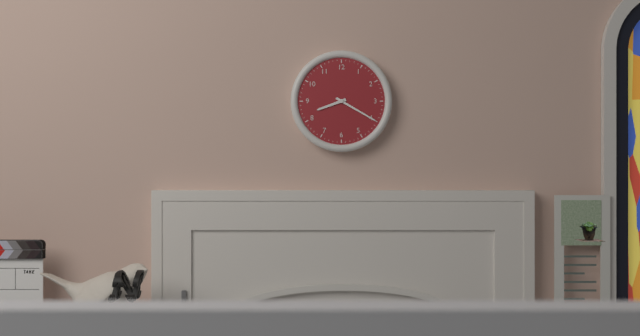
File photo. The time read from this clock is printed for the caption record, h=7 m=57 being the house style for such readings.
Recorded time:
h=8 m=20
